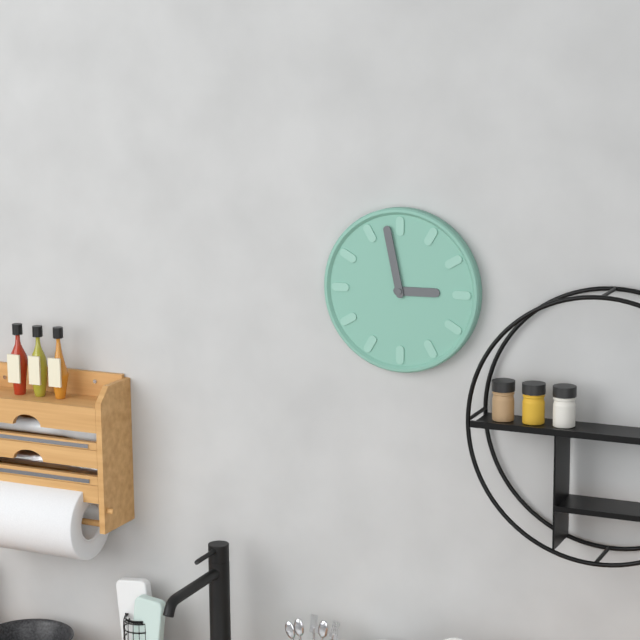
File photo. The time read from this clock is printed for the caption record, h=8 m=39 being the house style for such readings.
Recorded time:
h=2 m=58
